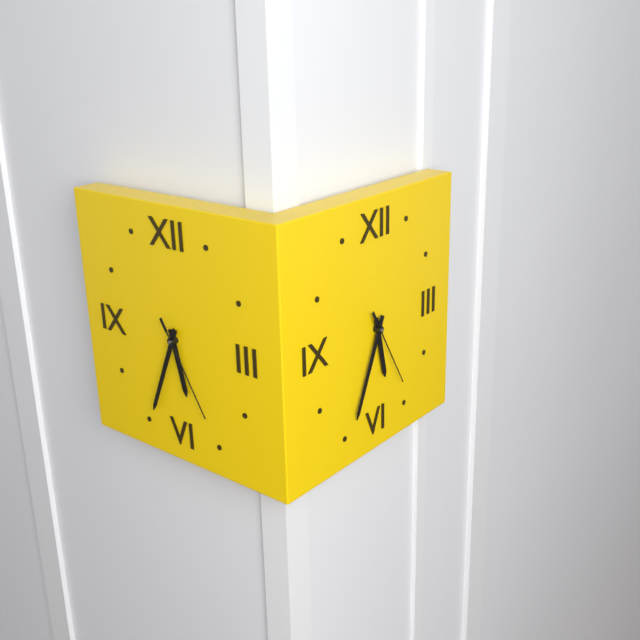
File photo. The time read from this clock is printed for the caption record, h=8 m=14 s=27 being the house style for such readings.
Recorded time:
h=5 m=34 s=25
